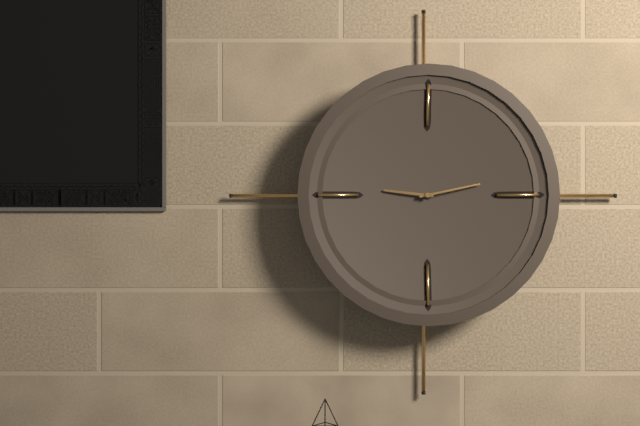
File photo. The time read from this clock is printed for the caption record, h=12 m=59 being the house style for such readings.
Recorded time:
h=9 m=13
